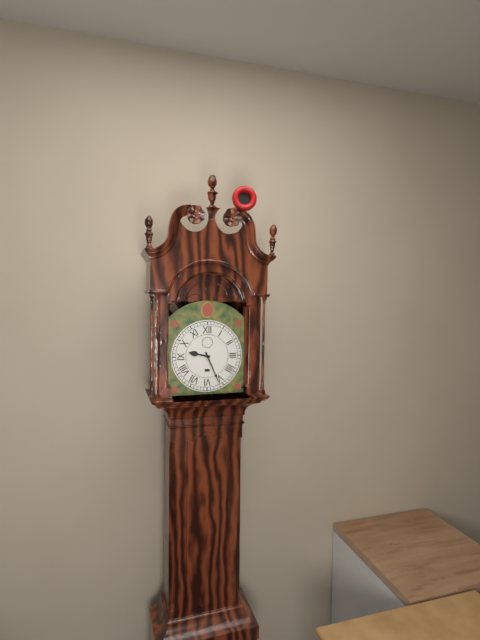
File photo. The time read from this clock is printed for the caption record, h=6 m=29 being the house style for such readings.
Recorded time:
h=9 m=26
